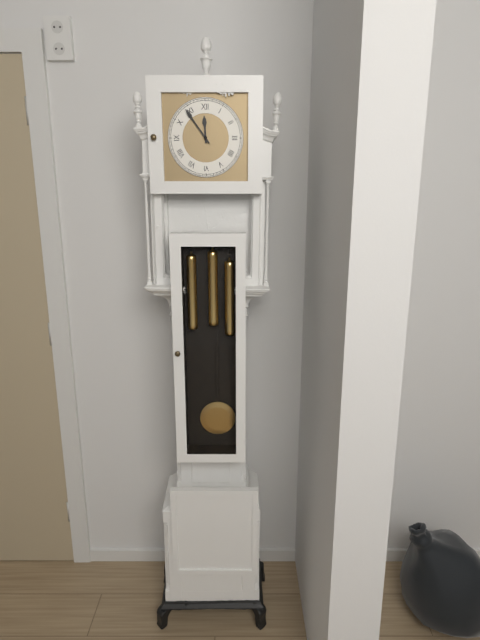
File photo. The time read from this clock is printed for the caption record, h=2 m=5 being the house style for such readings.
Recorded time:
h=11 m=54
